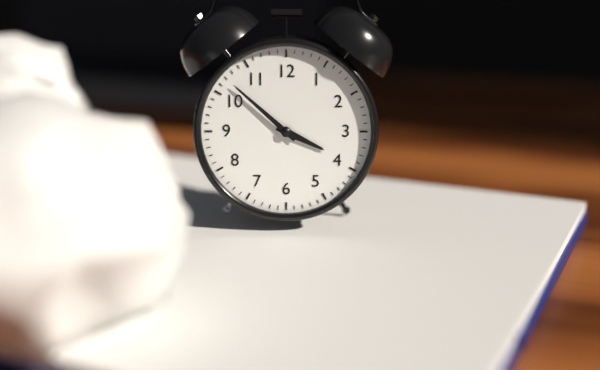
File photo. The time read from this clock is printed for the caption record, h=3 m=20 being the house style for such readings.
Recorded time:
h=3 m=52
